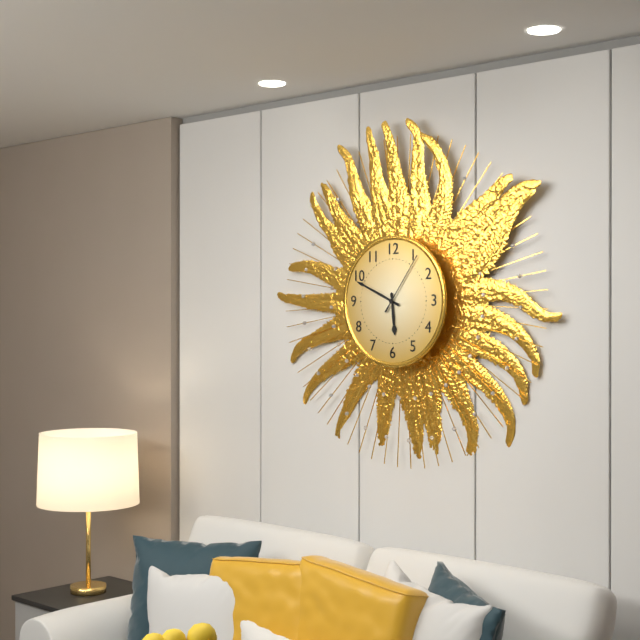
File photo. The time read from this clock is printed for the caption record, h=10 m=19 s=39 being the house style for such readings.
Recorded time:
h=5 m=49 s=6
